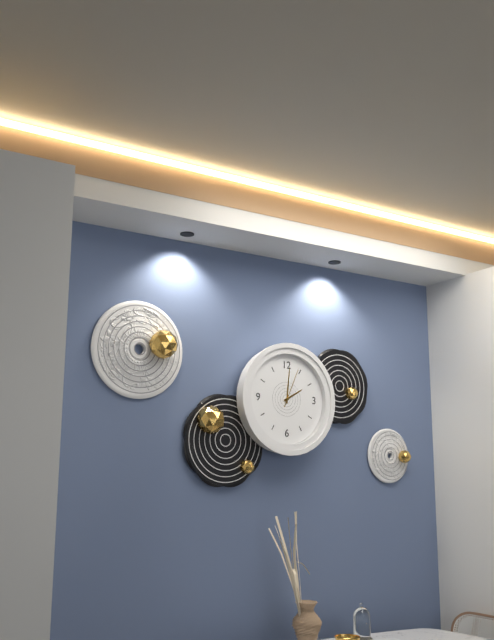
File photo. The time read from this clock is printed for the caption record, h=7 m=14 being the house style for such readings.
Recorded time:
h=2 m=1
